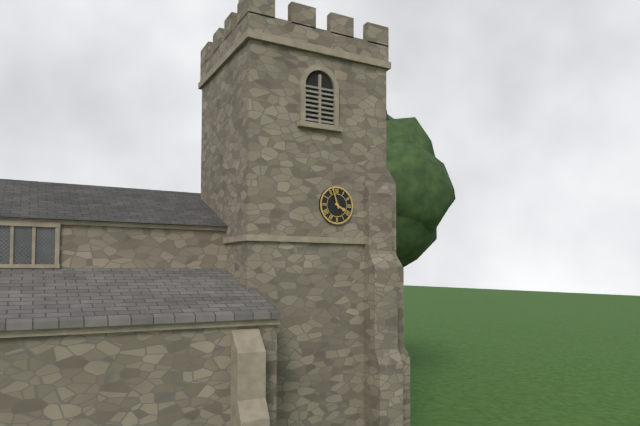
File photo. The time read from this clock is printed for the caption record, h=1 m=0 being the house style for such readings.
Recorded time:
h=3 m=57
